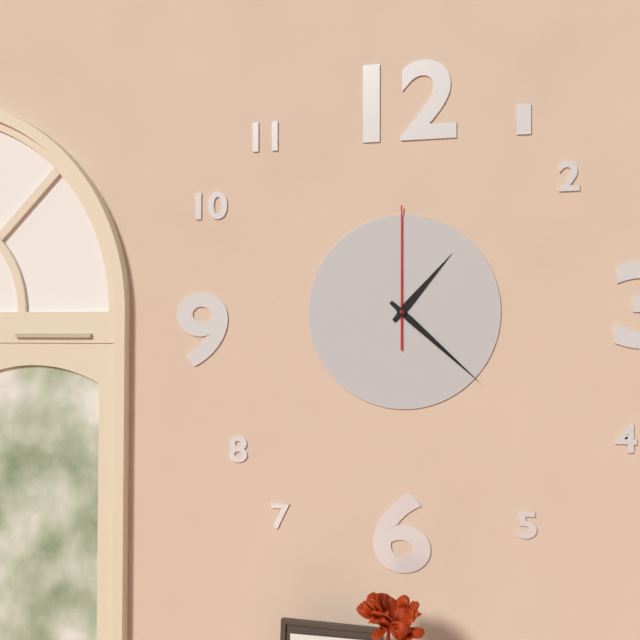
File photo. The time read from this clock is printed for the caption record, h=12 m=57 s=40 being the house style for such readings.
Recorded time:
h=1 m=22 s=0
